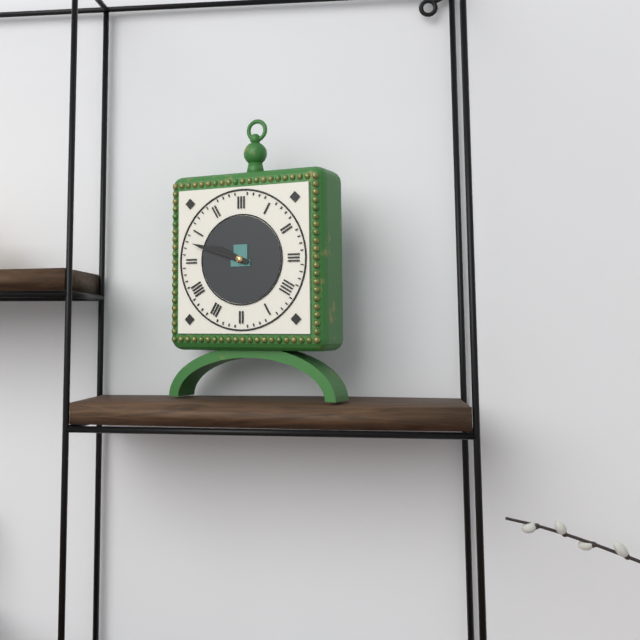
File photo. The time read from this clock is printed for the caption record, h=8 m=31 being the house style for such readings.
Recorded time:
h=9 m=48
